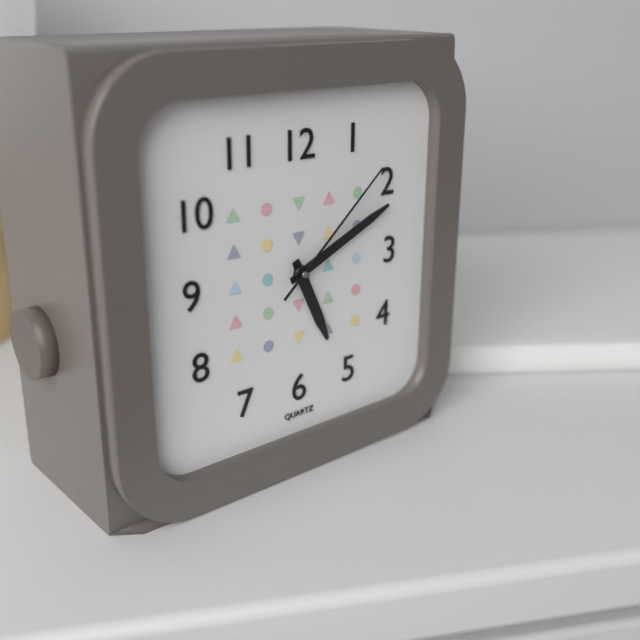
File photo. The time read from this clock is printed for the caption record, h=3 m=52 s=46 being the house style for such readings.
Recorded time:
h=5 m=11 s=8
